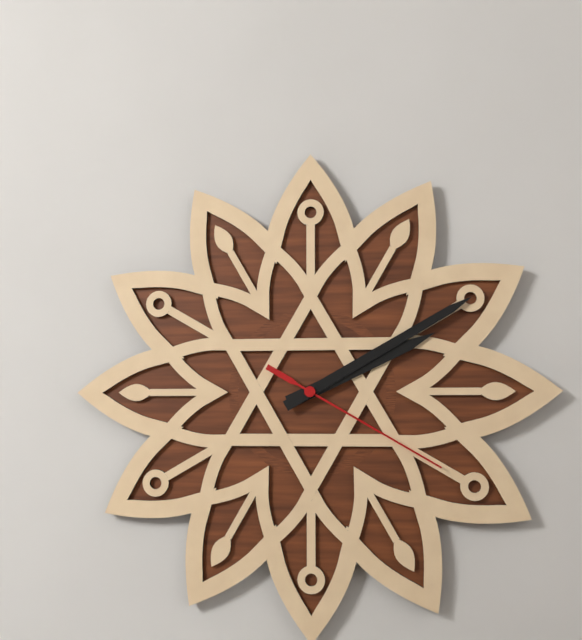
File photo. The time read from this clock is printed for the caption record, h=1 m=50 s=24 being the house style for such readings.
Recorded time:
h=2 m=10 s=20
